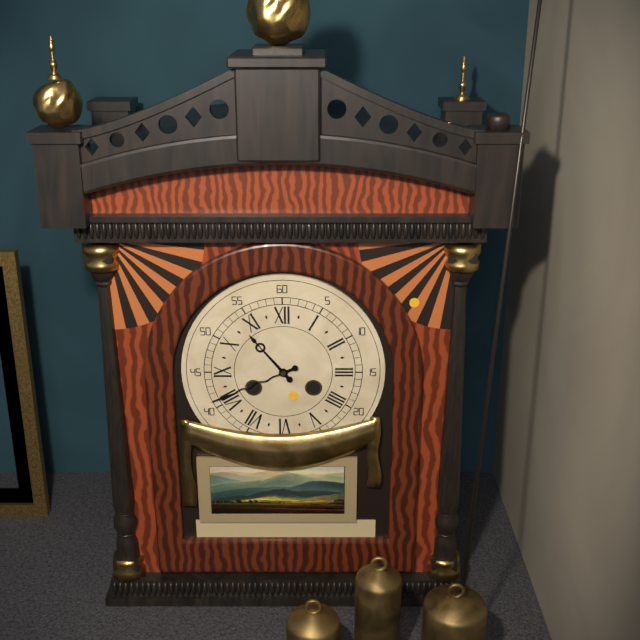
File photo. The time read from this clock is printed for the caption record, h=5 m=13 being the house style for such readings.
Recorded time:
h=10 m=41
